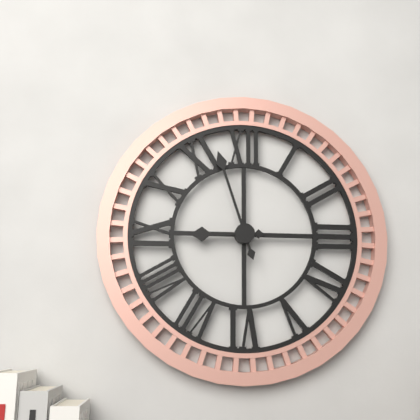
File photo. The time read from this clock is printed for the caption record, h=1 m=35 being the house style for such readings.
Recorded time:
h=8 m=57
